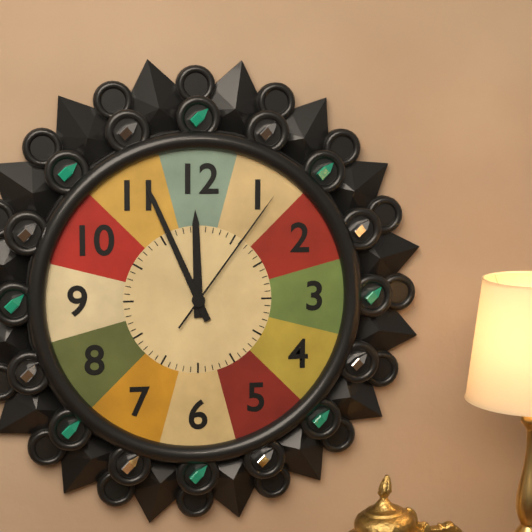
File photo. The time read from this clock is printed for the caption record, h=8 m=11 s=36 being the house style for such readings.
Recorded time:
h=11 m=56 s=6
